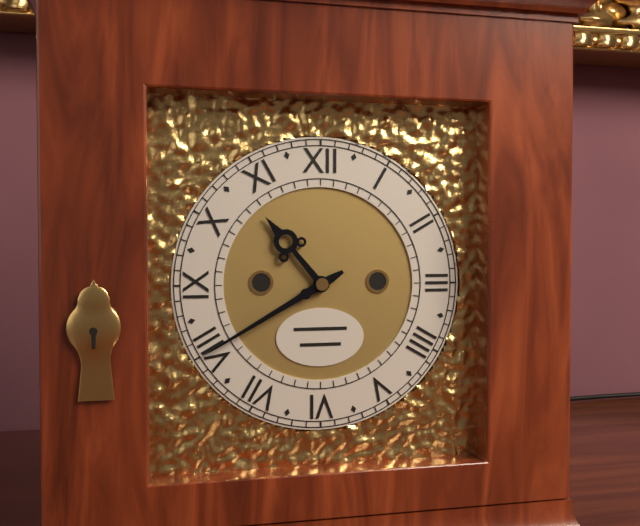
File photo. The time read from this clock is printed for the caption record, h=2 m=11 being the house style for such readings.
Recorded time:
h=10 m=40
